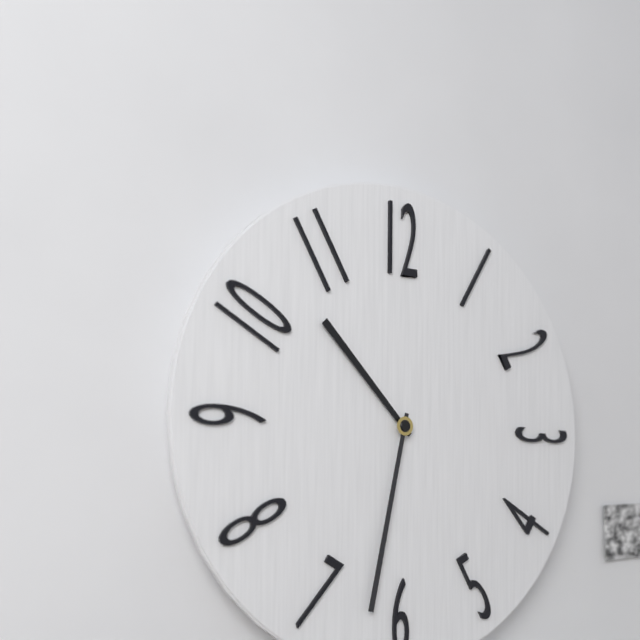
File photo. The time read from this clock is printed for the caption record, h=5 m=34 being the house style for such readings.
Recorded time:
h=10 m=32
